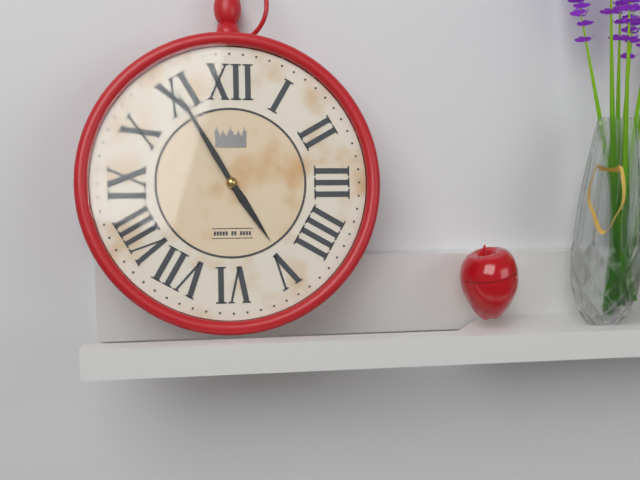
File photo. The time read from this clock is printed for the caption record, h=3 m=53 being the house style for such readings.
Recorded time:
h=4 m=55
